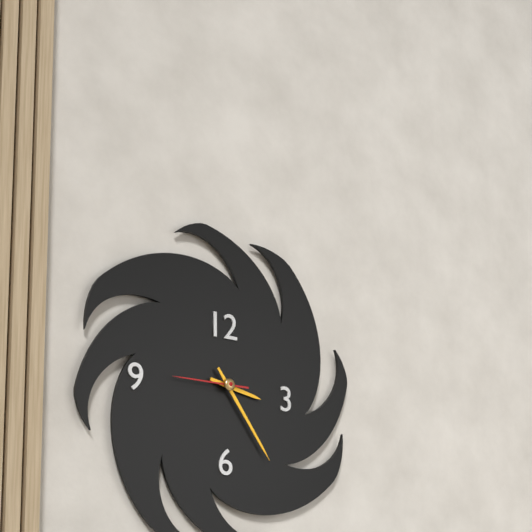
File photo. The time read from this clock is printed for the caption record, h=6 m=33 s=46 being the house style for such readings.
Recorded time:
h=3 m=24 s=45
